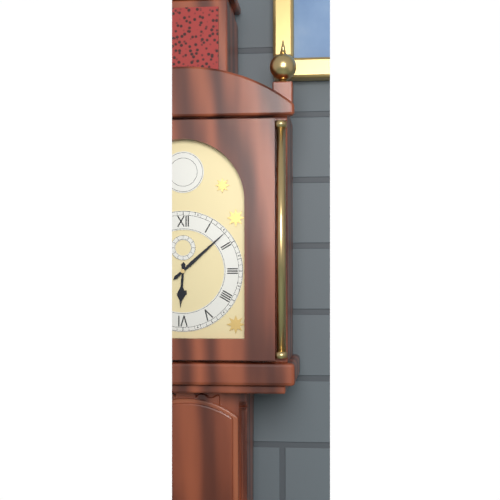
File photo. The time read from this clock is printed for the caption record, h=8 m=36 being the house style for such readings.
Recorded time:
h=6 m=8
